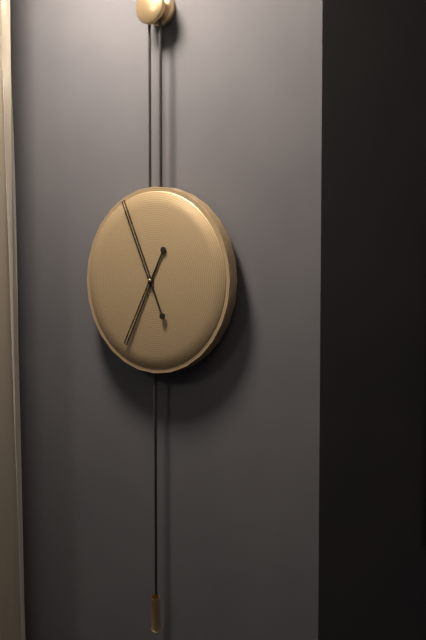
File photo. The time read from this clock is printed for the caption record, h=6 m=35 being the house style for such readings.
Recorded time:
h=6 m=56
